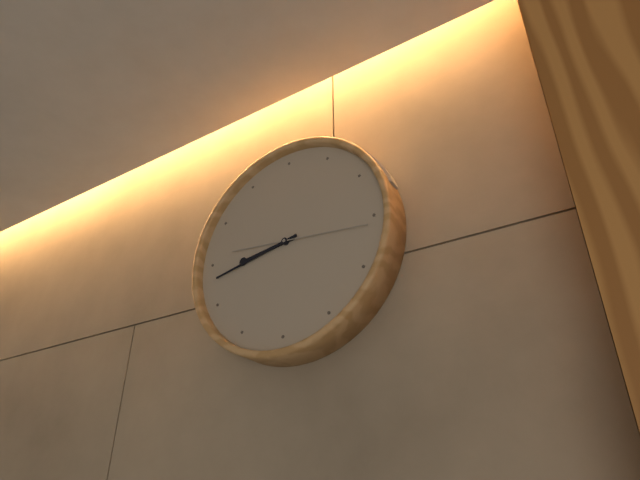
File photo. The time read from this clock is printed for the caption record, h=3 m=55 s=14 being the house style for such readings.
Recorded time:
h=8 m=43 s=16
